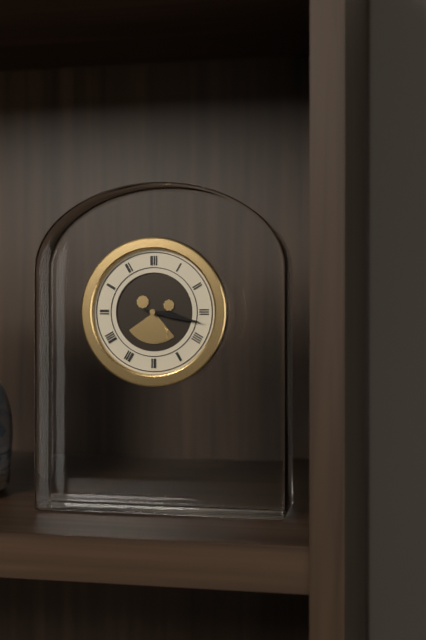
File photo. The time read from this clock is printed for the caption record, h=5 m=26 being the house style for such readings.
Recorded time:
h=3 m=17
